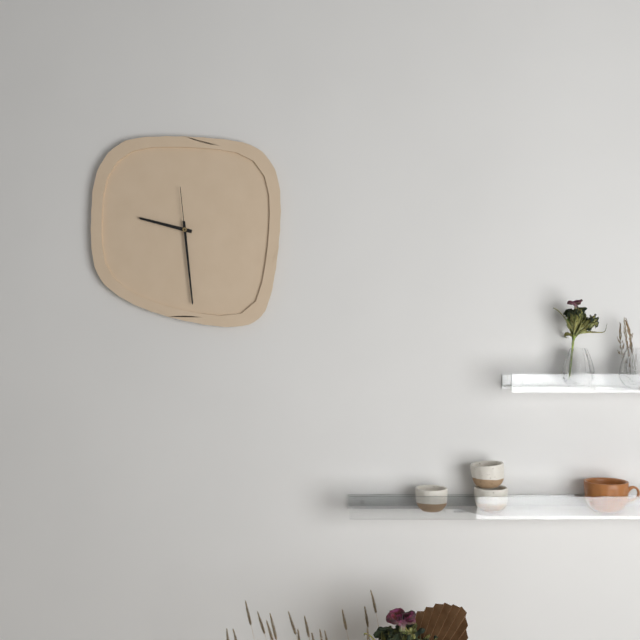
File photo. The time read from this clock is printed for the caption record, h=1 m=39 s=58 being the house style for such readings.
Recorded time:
h=9 m=29 s=59
